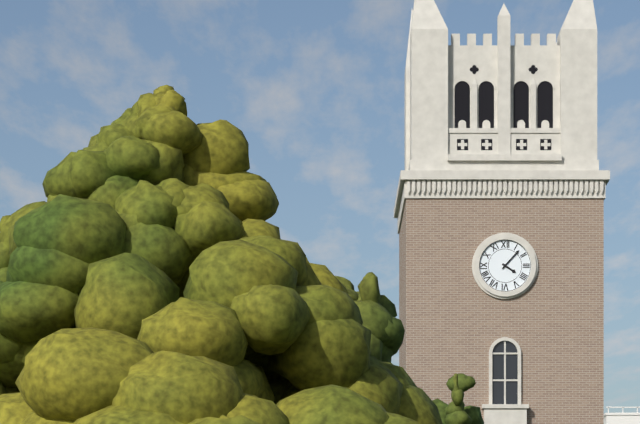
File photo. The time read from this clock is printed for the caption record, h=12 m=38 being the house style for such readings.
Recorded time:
h=4 m=7
